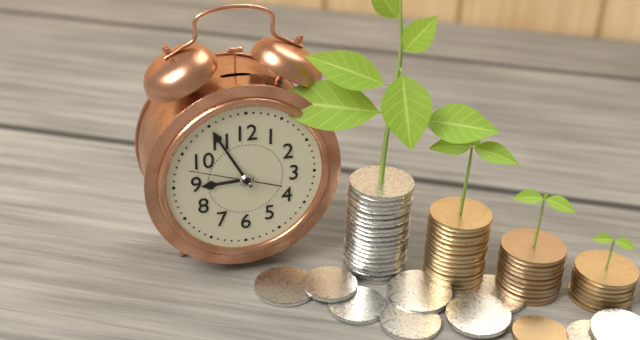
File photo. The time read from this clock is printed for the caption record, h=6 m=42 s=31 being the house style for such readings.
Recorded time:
h=8 m=55 s=48
